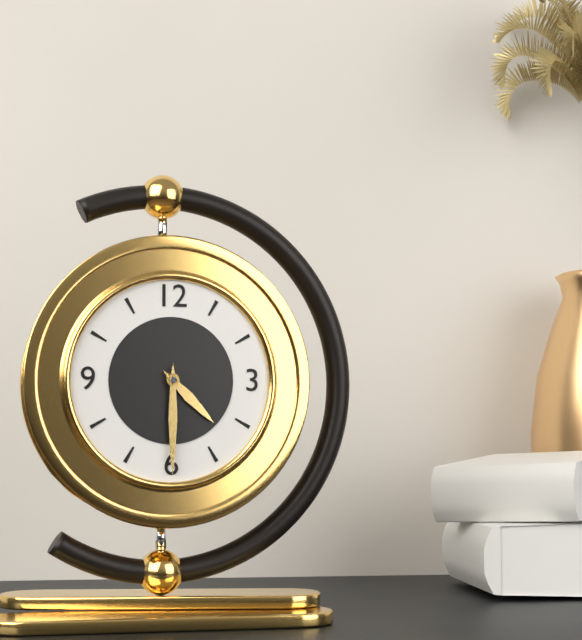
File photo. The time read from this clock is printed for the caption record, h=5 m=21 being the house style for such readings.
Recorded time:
h=4 m=30
